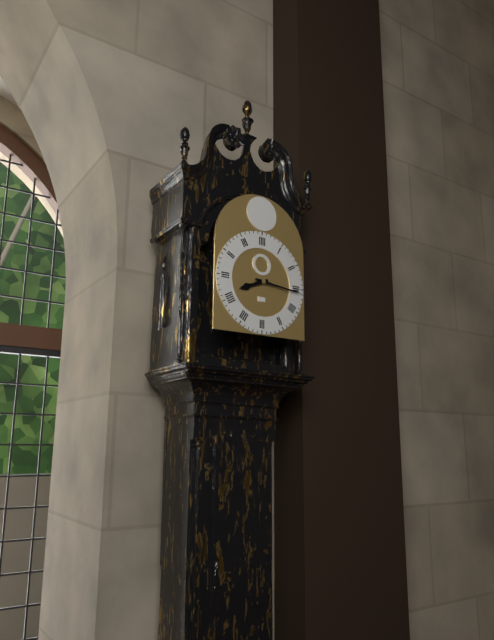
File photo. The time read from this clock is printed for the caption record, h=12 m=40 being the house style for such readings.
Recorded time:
h=8 m=16
